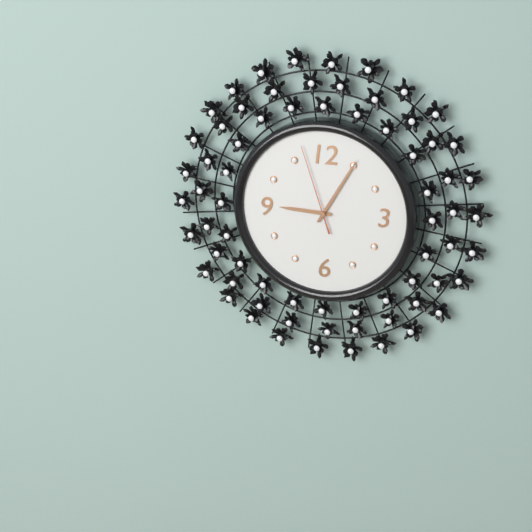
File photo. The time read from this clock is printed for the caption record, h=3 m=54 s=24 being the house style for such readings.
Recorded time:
h=9 m=5 s=57
